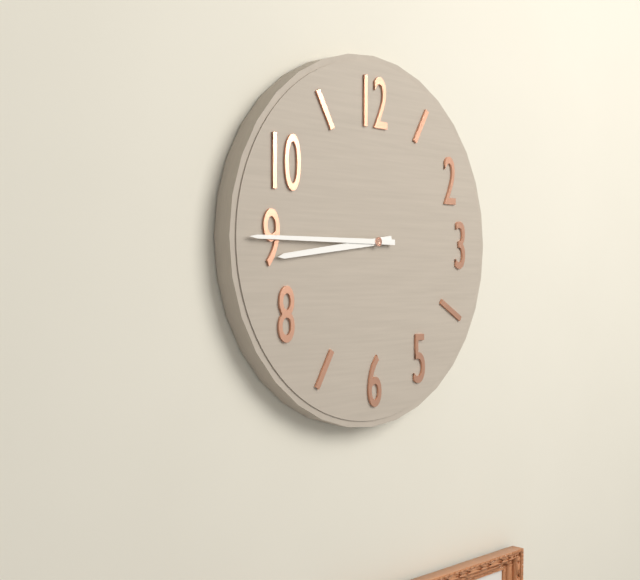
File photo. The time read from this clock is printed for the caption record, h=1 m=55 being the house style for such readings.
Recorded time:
h=8 m=45
